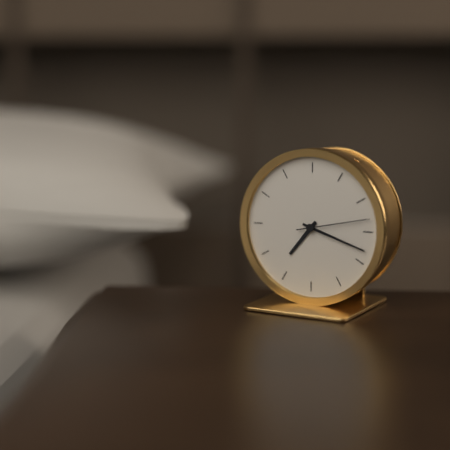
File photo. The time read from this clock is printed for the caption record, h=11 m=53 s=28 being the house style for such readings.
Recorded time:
h=7 m=18 s=13
